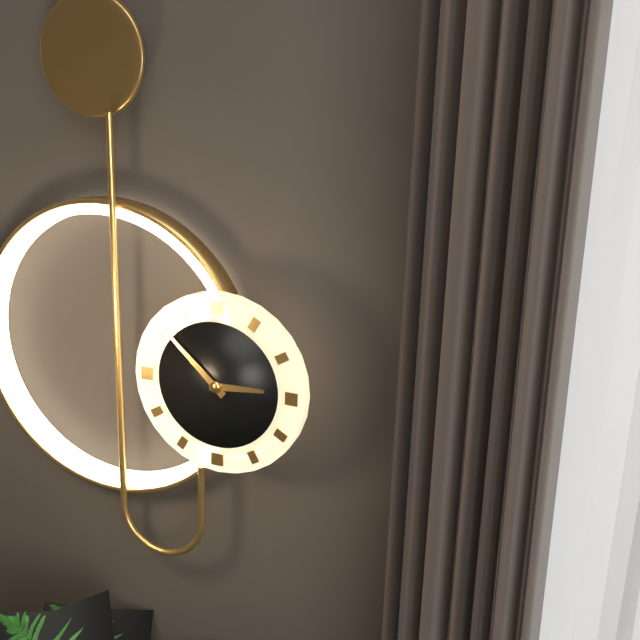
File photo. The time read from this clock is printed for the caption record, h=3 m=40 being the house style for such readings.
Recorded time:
h=2 m=52
